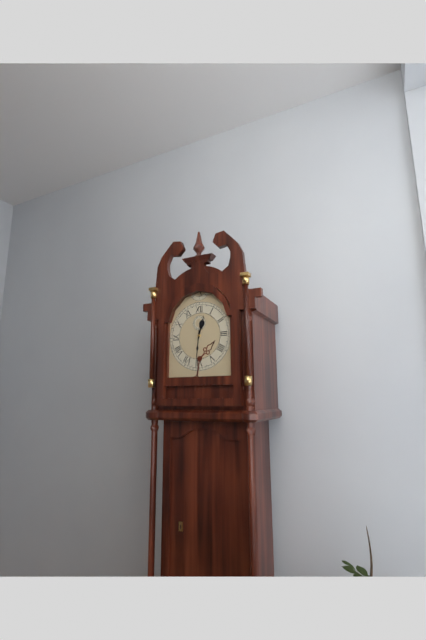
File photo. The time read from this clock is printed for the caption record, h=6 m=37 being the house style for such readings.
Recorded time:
h=12 m=31
